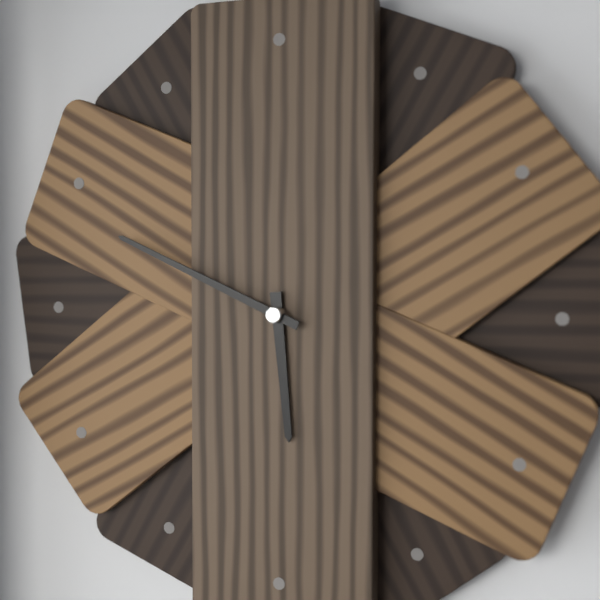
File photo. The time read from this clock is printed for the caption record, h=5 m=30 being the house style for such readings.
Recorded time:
h=5 m=49
